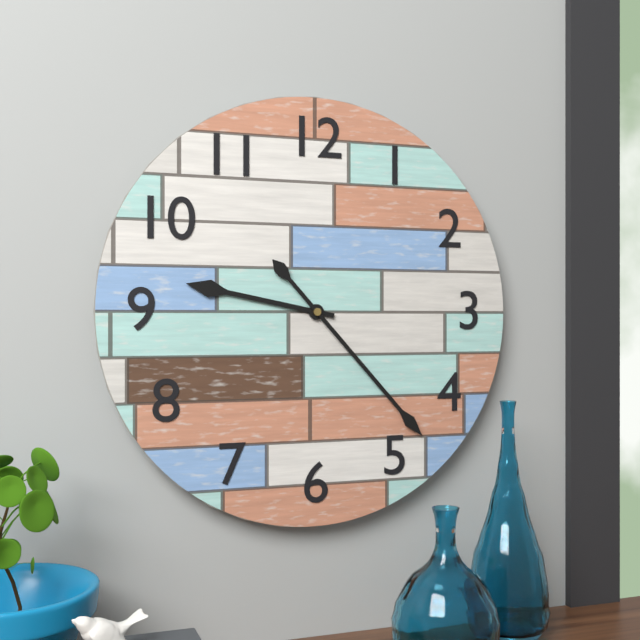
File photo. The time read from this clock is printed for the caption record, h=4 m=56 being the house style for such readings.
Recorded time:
h=9 m=23
